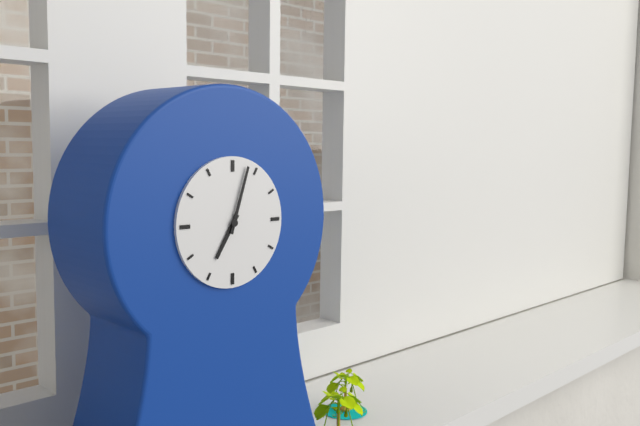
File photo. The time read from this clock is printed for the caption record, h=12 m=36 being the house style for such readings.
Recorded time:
h=7 m=3
